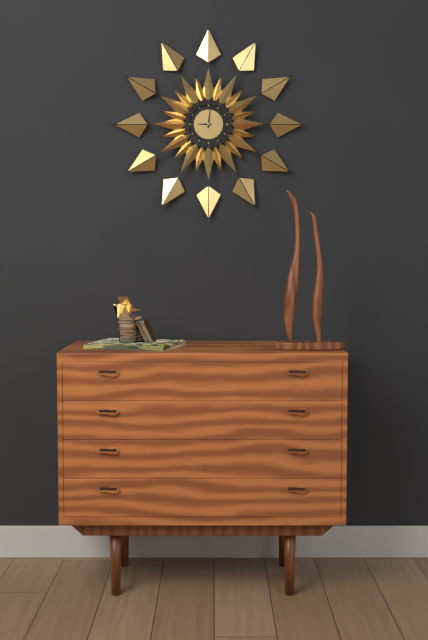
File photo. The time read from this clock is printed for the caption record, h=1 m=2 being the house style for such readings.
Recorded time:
h=9 m=1
